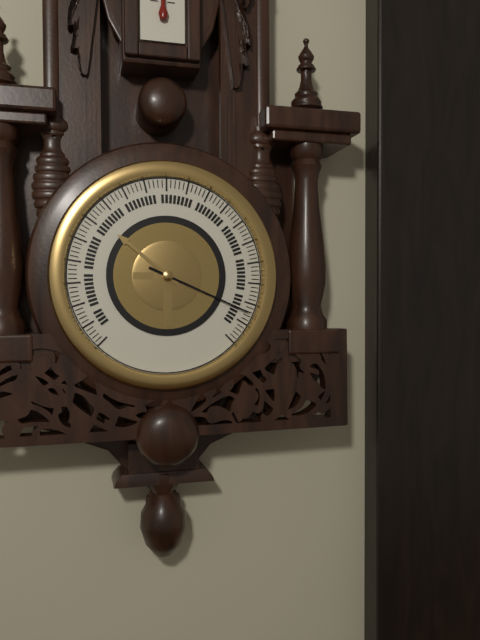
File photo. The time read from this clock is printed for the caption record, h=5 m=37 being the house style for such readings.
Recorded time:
h=10 m=19
